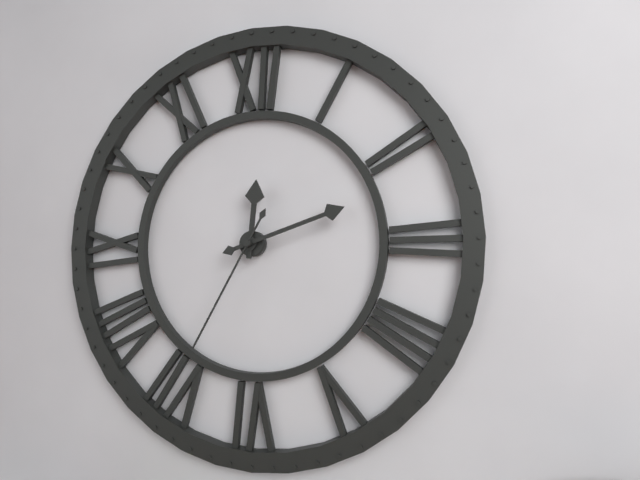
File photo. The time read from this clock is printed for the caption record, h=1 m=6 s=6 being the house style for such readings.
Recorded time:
h=12 m=12 s=35
